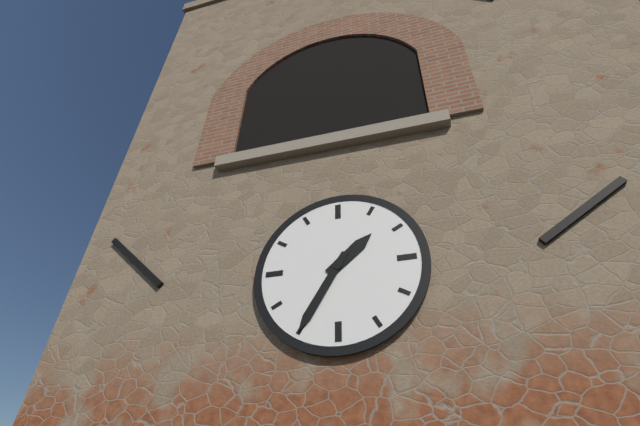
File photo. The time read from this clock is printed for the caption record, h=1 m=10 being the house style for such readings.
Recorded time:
h=1 m=35
